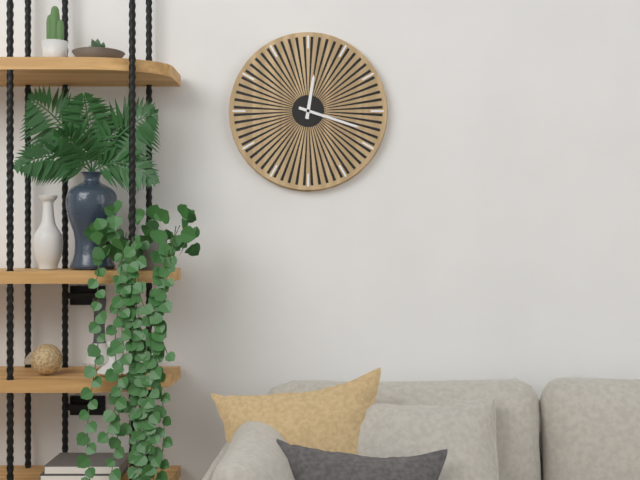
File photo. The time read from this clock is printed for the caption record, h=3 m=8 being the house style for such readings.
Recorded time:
h=12 m=18
